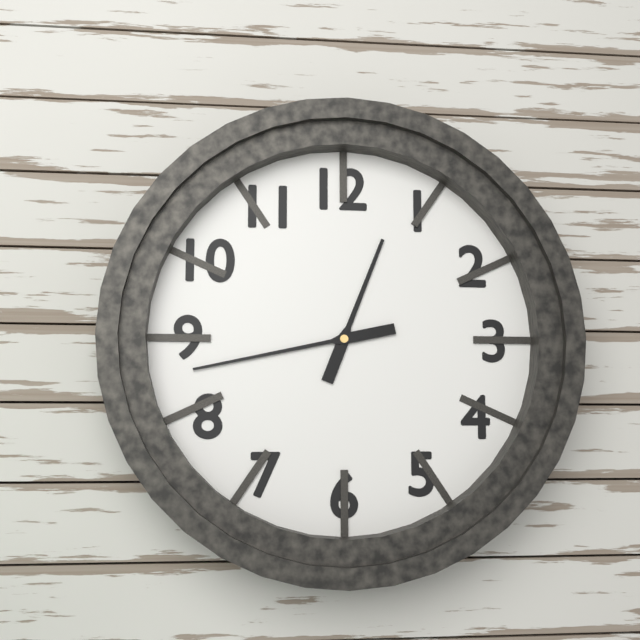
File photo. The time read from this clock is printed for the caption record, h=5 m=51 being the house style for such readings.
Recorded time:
h=12 m=43
